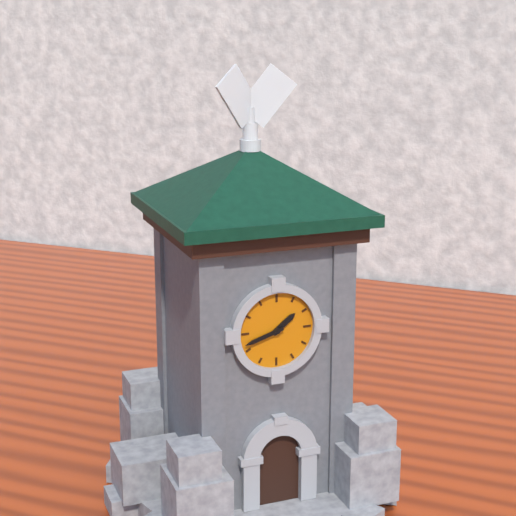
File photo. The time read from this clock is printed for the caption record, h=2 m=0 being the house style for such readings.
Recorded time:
h=1 m=42
